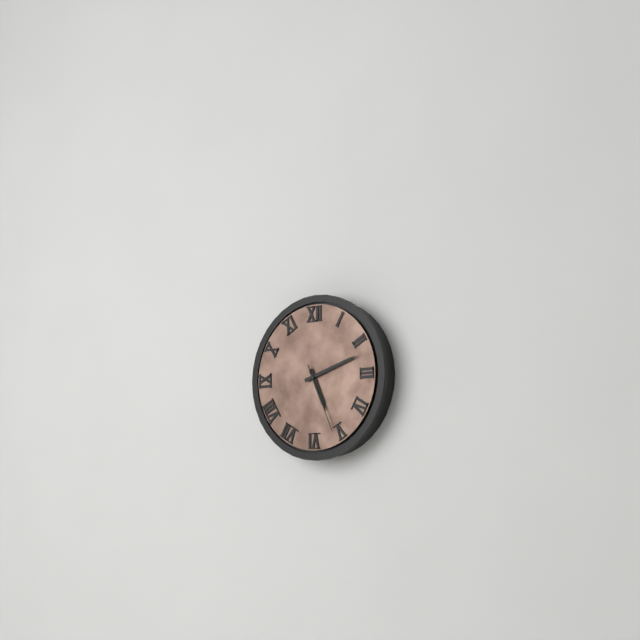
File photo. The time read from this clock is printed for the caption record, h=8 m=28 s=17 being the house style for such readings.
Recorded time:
h=5 m=12 s=26
